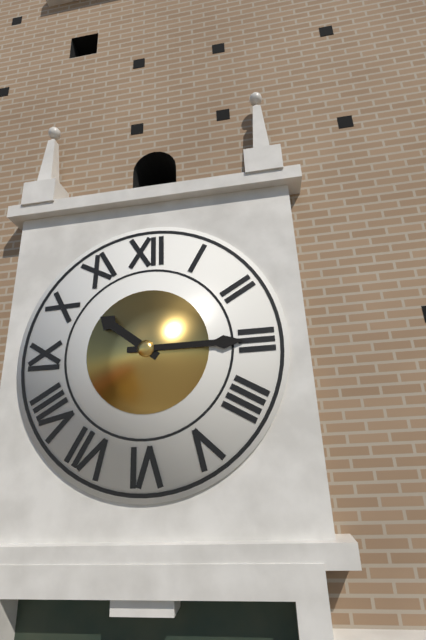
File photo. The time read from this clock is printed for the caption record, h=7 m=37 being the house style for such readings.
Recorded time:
h=10 m=15
